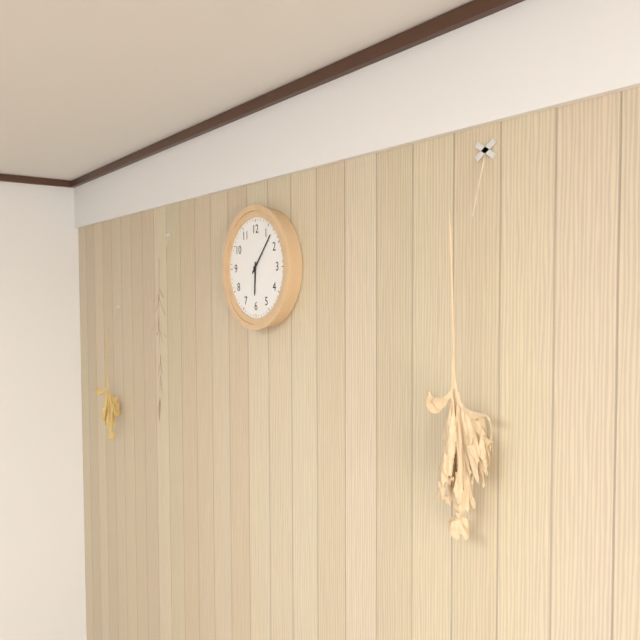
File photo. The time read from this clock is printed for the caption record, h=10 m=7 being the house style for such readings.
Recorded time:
h=6 m=7
